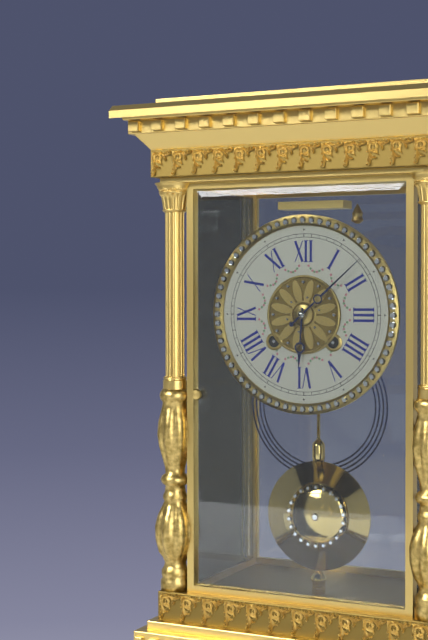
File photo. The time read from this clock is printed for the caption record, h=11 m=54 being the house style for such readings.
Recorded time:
h=6 m=8
